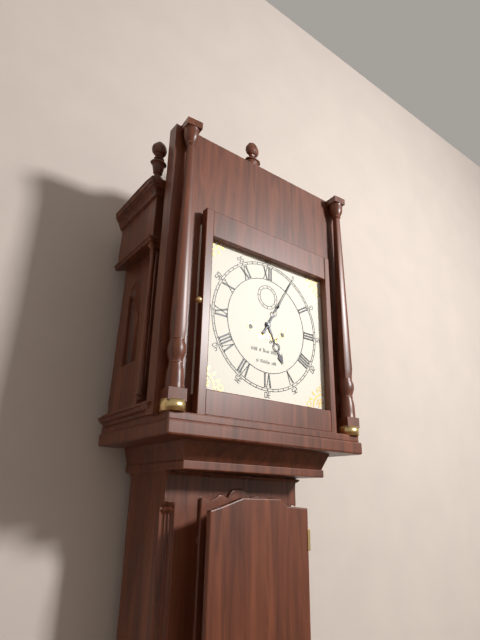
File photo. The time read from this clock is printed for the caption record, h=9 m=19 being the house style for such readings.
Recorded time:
h=5 m=5
